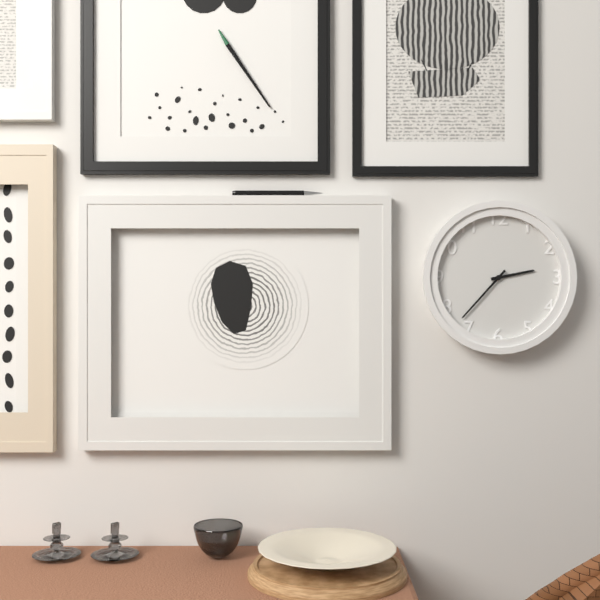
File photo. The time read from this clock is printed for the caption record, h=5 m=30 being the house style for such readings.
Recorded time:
h=2 m=37
